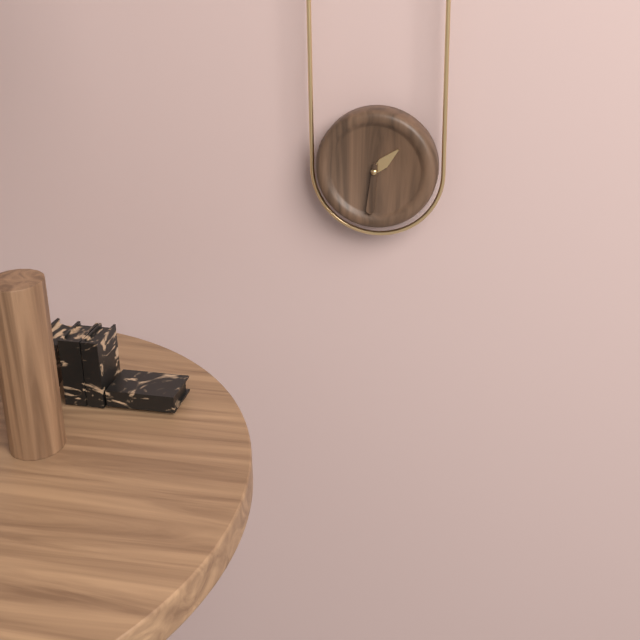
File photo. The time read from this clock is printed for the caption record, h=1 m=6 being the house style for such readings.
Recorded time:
h=1 m=31
